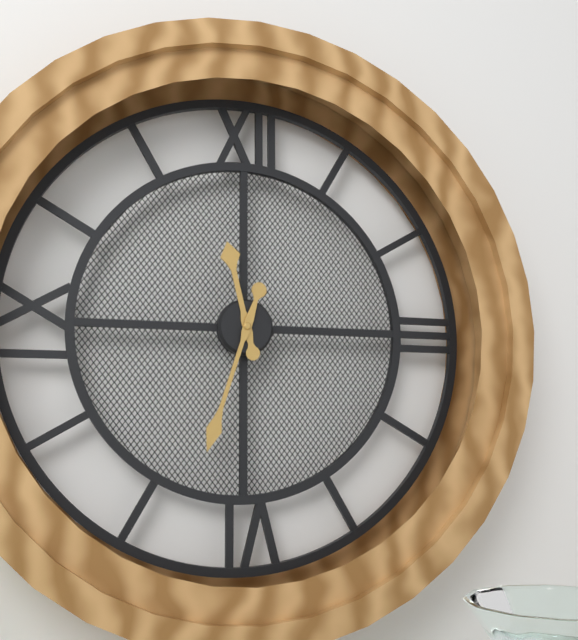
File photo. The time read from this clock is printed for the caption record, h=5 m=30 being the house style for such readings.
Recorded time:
h=11 m=33
